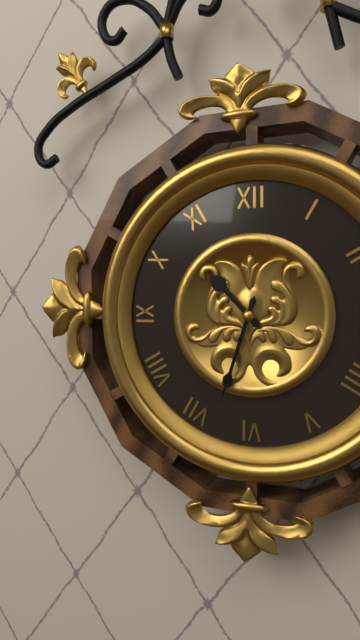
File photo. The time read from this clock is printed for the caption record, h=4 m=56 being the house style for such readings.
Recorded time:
h=10 m=33
